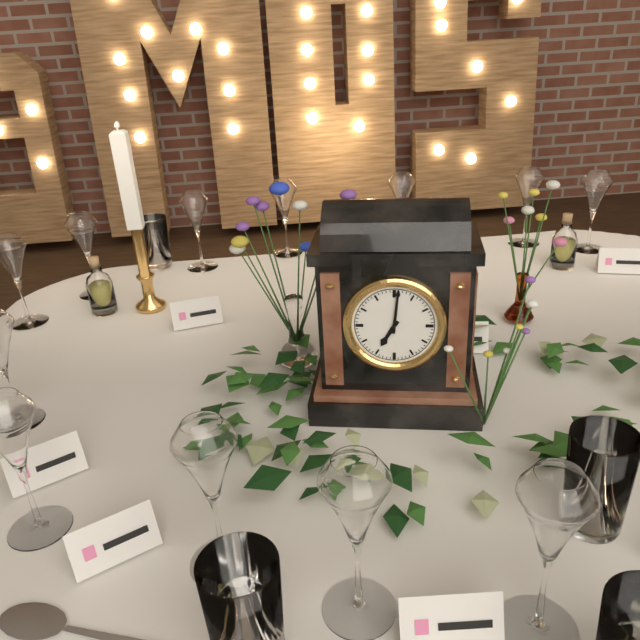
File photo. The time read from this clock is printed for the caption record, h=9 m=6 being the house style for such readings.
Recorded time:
h=7 m=1
